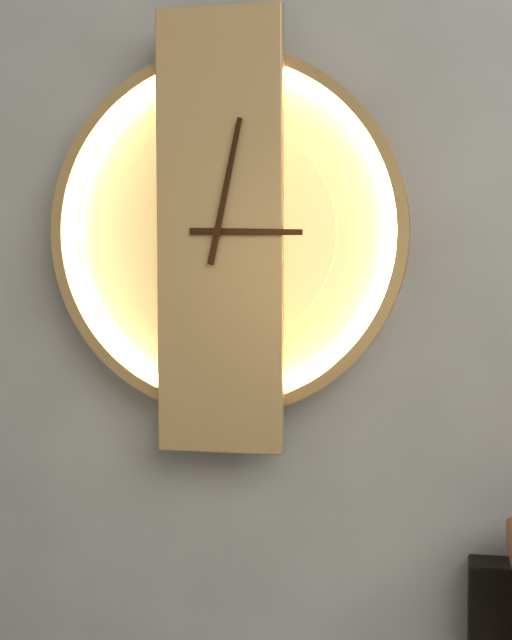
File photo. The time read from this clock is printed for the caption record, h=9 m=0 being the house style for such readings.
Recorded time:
h=3 m=2
